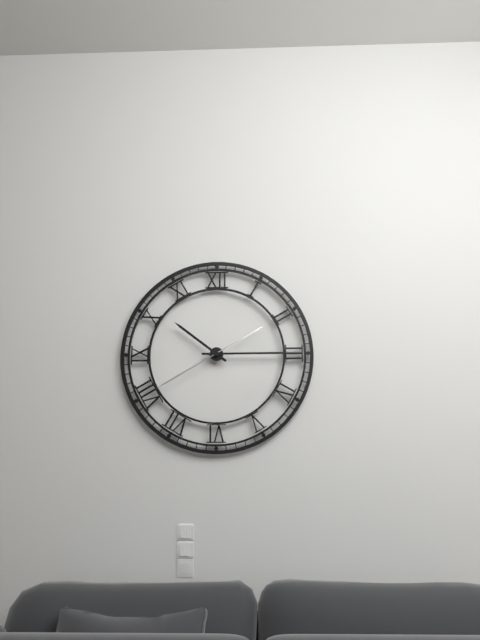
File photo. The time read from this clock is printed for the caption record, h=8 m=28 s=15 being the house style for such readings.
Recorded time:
h=10 m=15 s=40
